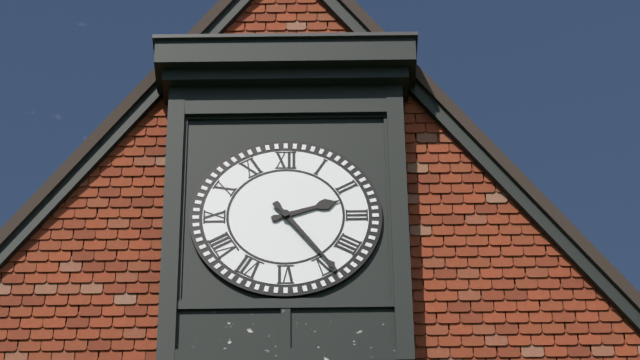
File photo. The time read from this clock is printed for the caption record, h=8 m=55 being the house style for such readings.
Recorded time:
h=2 m=24
